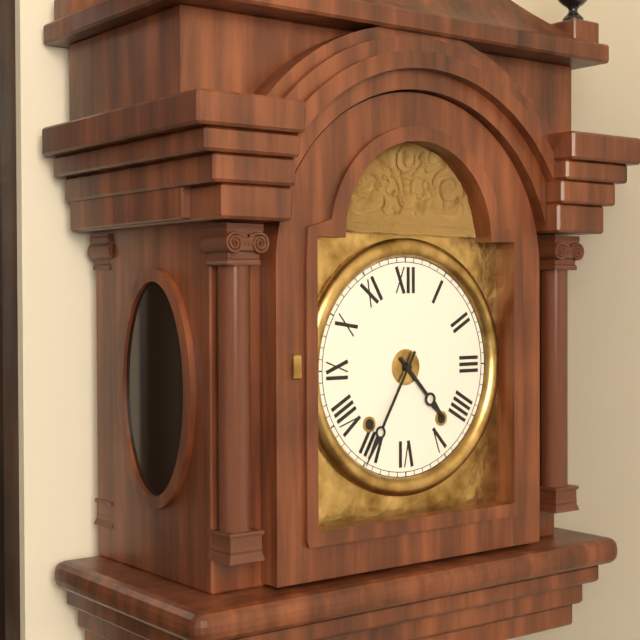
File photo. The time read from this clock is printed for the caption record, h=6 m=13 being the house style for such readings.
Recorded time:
h=4 m=35
